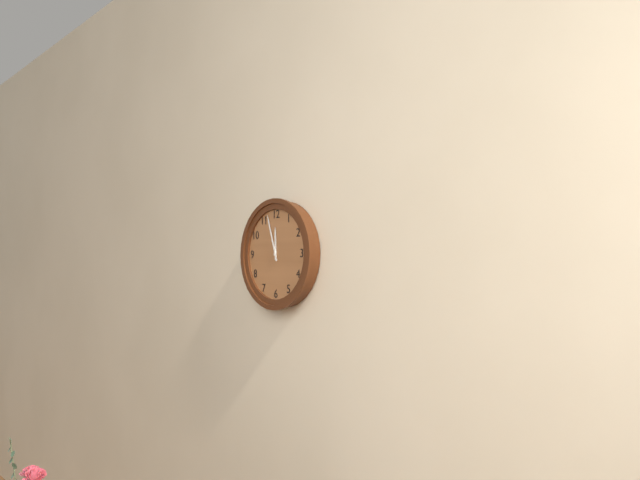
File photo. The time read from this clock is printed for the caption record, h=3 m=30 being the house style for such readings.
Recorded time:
h=11 m=57
